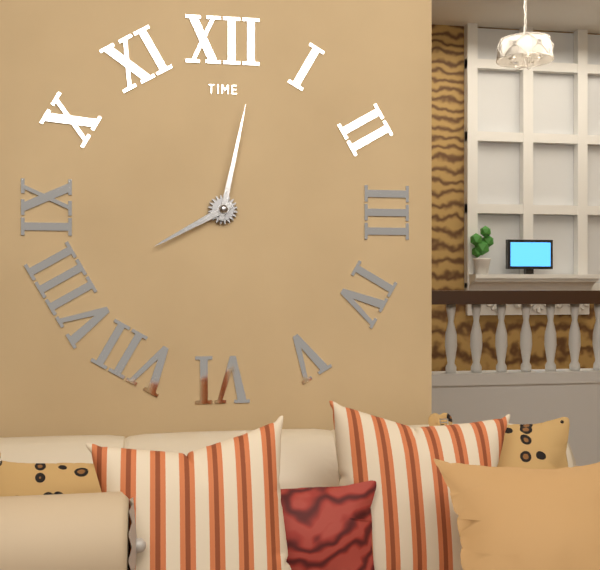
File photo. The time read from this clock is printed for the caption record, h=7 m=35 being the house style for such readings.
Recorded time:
h=8 m=2
